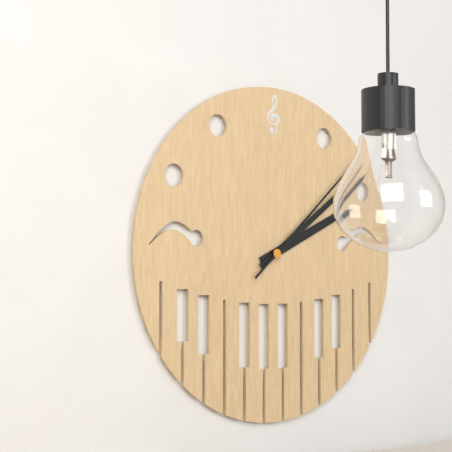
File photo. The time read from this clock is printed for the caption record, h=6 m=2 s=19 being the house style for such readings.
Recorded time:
h=2 m=9 s=8
